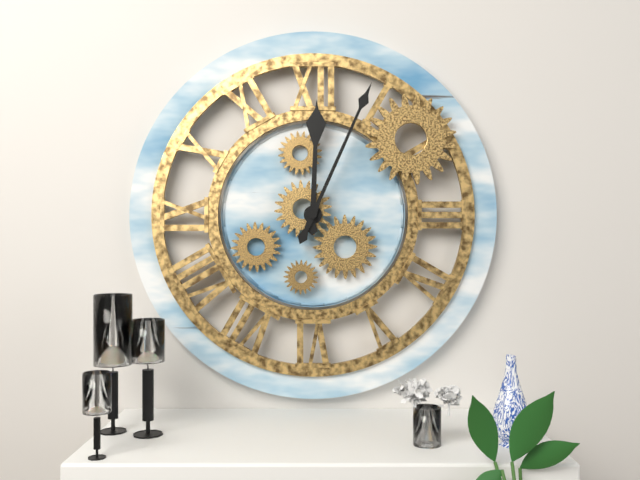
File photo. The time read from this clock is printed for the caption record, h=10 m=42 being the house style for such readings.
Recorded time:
h=12 m=4
